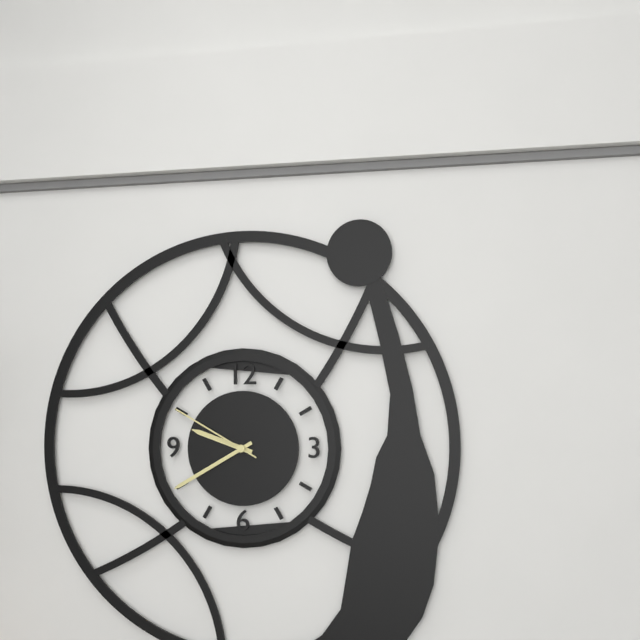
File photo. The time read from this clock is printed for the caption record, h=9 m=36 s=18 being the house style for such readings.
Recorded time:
h=9 m=40 s=50
